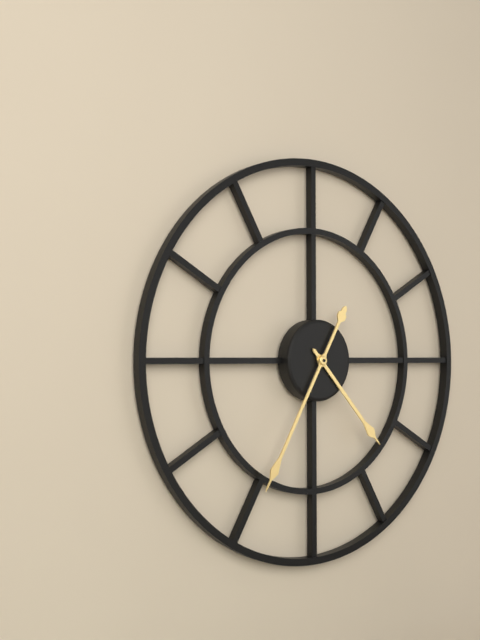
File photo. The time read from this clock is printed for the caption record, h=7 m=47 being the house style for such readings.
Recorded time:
h=4 m=35
